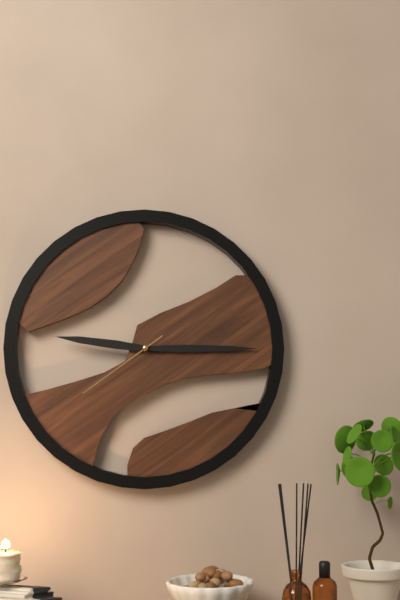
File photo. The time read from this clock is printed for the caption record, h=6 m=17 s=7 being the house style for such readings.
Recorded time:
h=9 m=15 s=39
